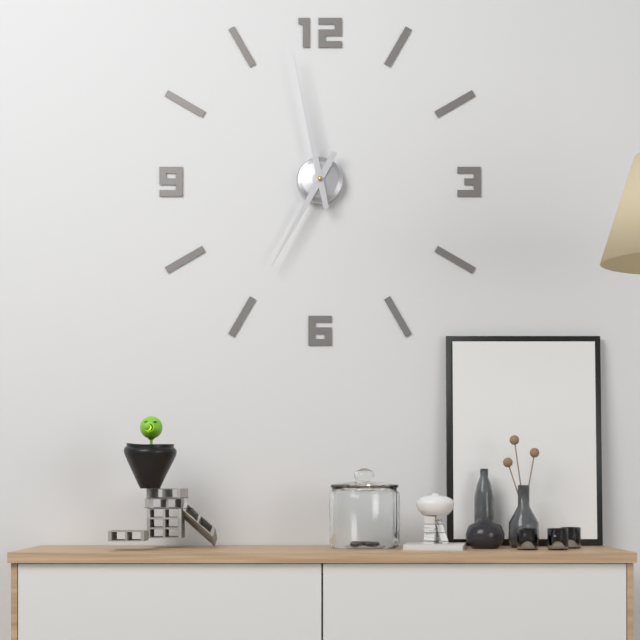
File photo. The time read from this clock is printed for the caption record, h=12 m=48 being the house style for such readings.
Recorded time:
h=6 m=58
